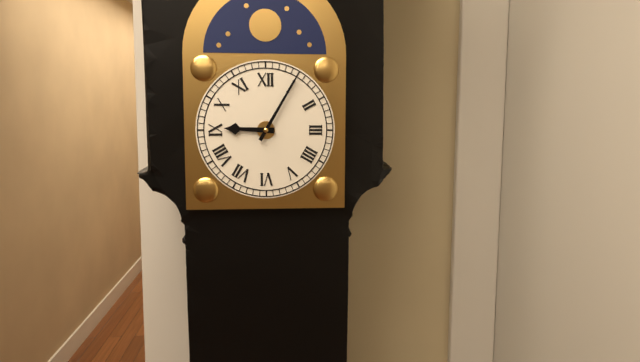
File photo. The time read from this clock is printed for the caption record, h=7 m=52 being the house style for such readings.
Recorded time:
h=9 m=5
